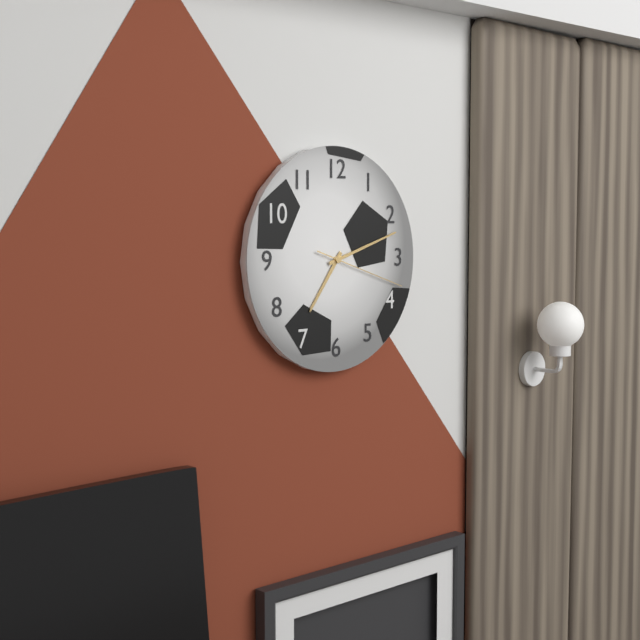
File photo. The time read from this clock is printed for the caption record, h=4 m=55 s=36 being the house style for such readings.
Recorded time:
h=7 m=12 s=18
